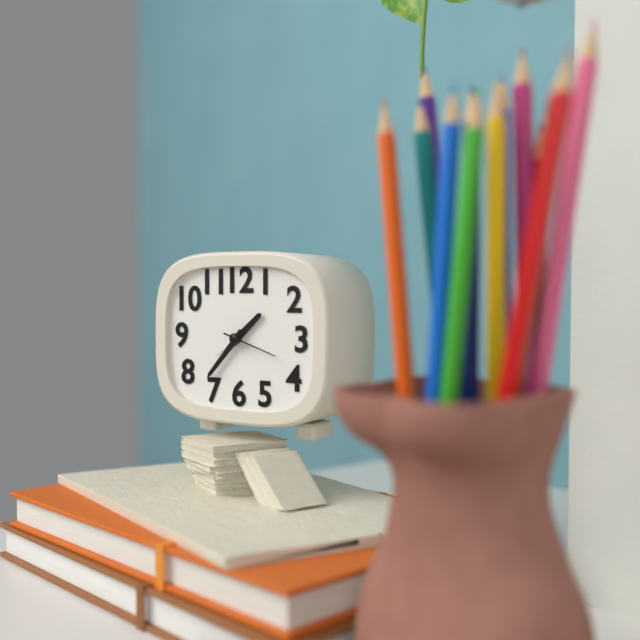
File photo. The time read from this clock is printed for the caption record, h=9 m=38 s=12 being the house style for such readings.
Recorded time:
h=1 m=37 s=18
